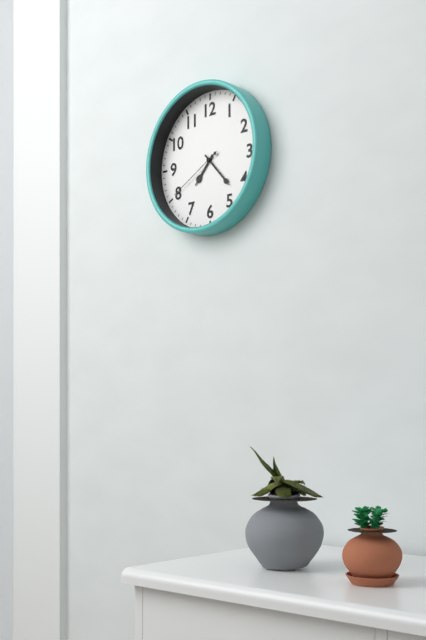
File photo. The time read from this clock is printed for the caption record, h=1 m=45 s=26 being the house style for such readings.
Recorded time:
h=7 m=23 s=40
